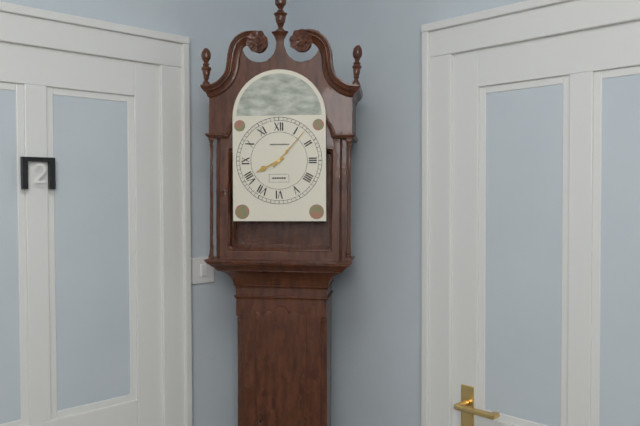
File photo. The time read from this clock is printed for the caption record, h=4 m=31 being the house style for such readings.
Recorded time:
h=8 m=7
